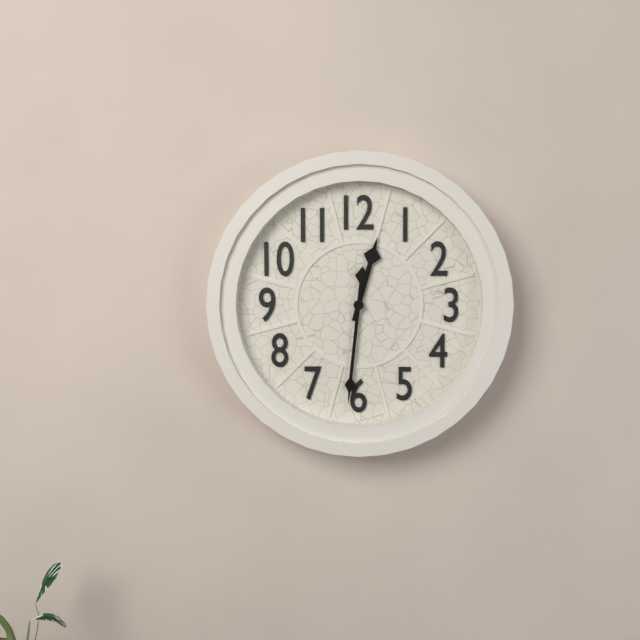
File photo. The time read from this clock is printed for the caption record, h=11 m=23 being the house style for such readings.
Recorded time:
h=12 m=31
